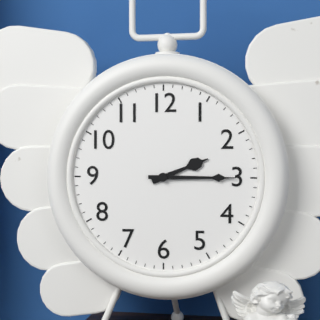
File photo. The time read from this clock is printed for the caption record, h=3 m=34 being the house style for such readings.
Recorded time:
h=2 m=15
